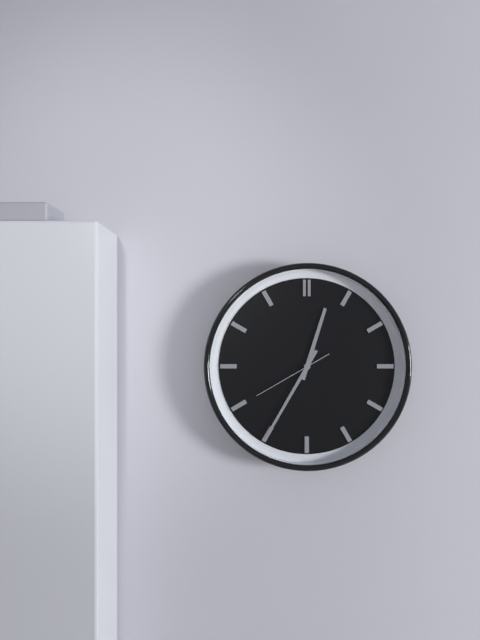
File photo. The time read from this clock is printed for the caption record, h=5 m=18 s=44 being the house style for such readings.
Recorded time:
h=12 m=35 s=40
